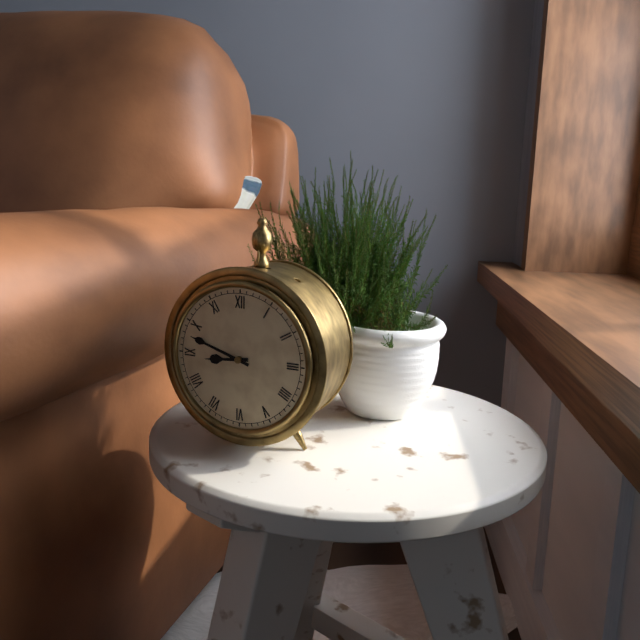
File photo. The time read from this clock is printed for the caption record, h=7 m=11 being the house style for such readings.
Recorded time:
h=8 m=48
